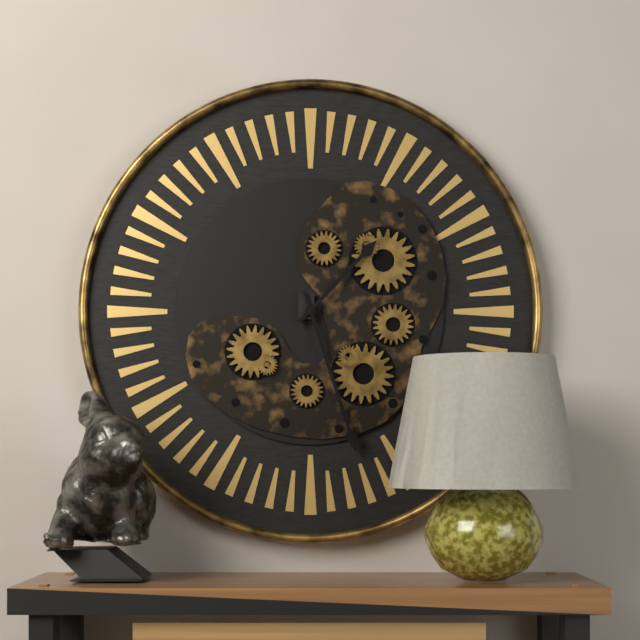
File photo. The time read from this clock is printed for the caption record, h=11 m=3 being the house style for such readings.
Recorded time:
h=1 m=27
